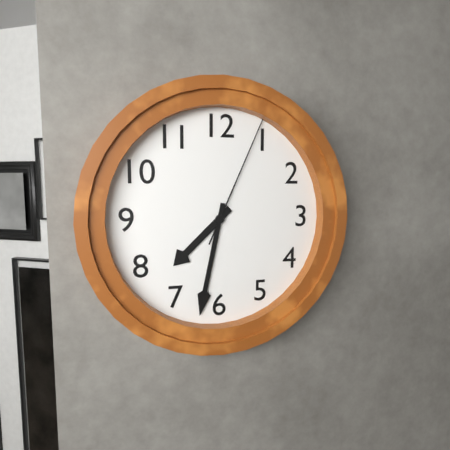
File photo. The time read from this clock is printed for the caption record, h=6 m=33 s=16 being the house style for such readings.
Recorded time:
h=7 m=32 s=4
